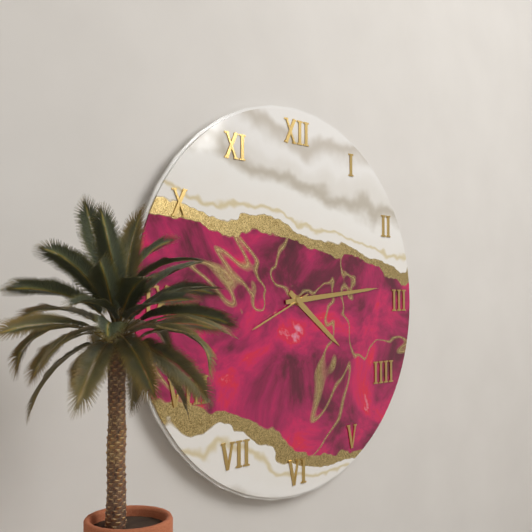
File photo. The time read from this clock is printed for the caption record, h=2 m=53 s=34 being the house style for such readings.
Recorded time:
h=4 m=14 s=41
